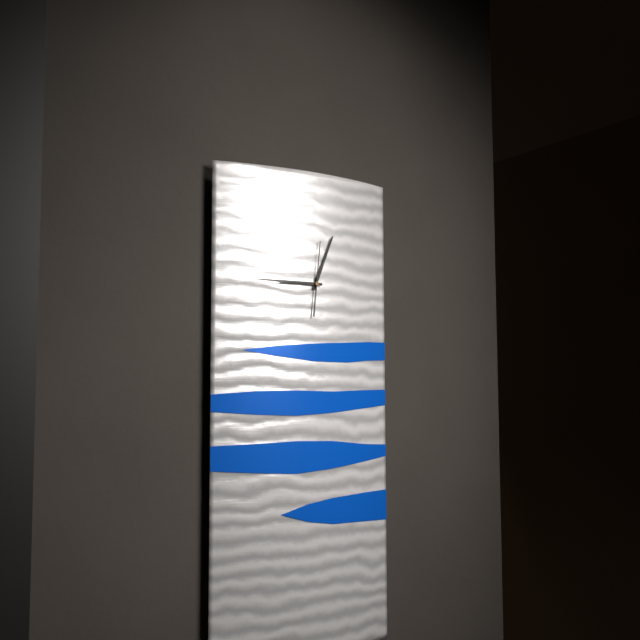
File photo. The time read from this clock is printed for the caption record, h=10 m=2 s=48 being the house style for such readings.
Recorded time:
h=12 m=45 s=1
